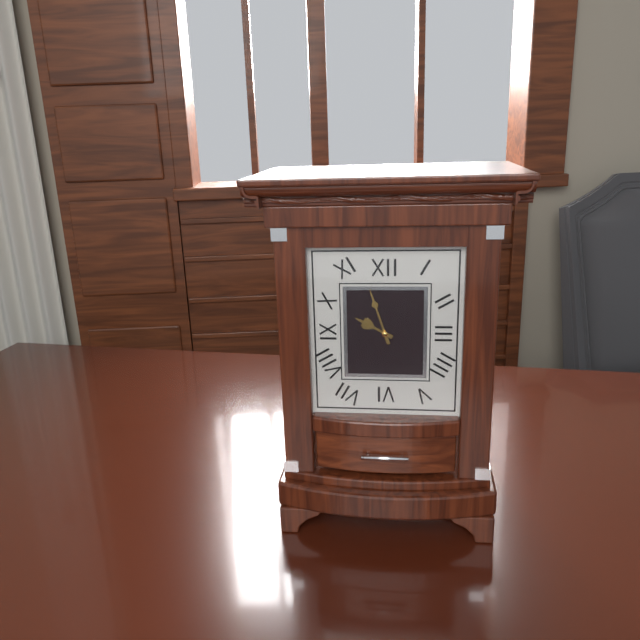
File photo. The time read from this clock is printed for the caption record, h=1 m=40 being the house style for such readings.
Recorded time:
h=9 m=57
